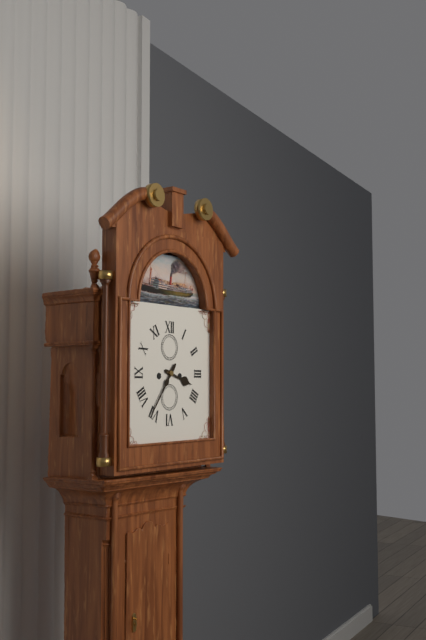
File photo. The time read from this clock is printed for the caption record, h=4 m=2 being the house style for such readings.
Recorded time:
h=3 m=36
